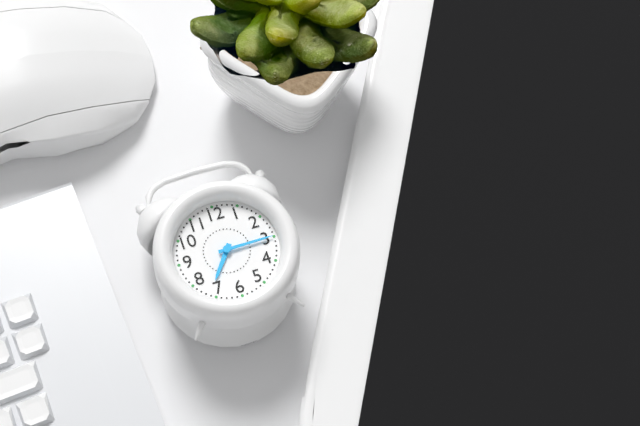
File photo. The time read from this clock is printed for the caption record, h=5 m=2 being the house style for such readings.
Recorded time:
h=7 m=15
